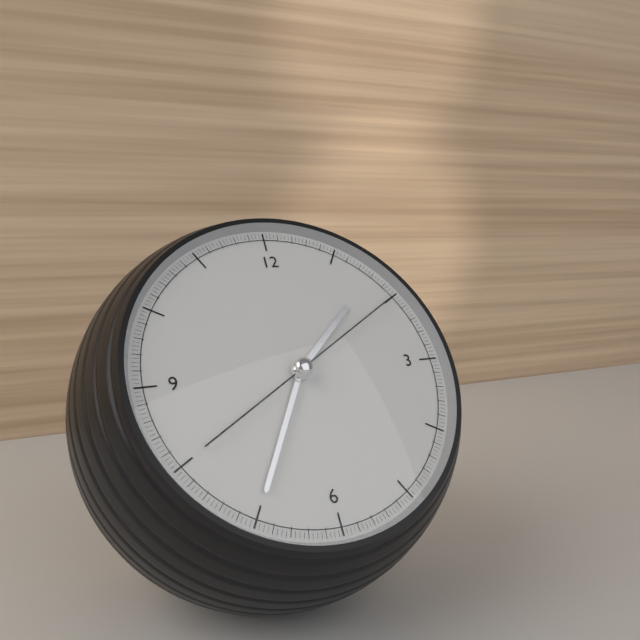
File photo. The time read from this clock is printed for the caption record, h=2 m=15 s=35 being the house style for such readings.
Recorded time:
h=1 m=35 s=10
